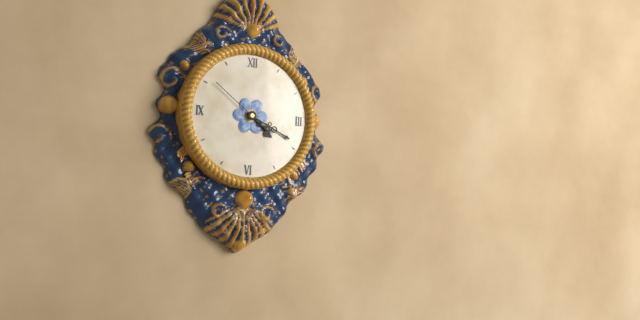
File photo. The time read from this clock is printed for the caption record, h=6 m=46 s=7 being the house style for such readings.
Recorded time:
h=4 m=19 s=51
